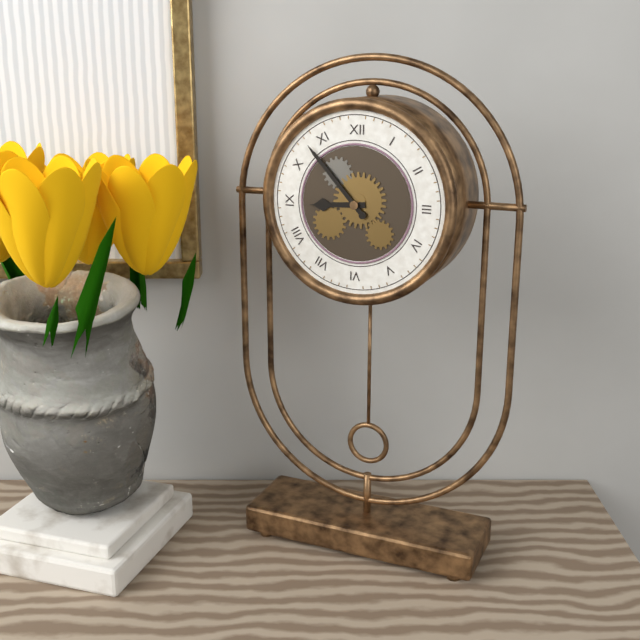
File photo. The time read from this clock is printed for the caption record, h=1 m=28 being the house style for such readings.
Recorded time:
h=8 m=53
